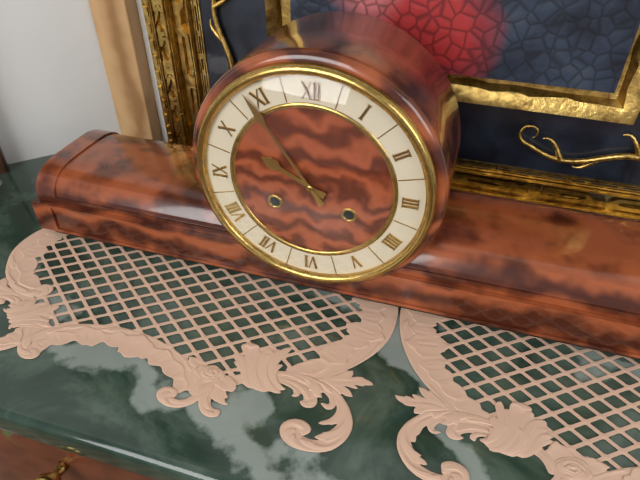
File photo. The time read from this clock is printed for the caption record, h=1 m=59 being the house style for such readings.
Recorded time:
h=9 m=54
